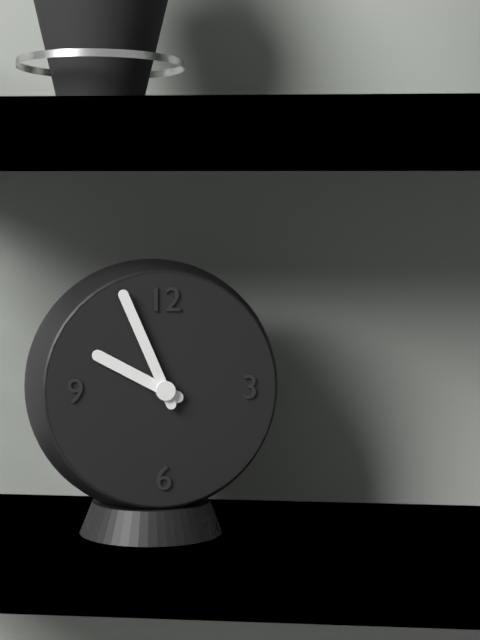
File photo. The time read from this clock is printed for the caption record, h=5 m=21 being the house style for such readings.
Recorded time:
h=9 m=56
